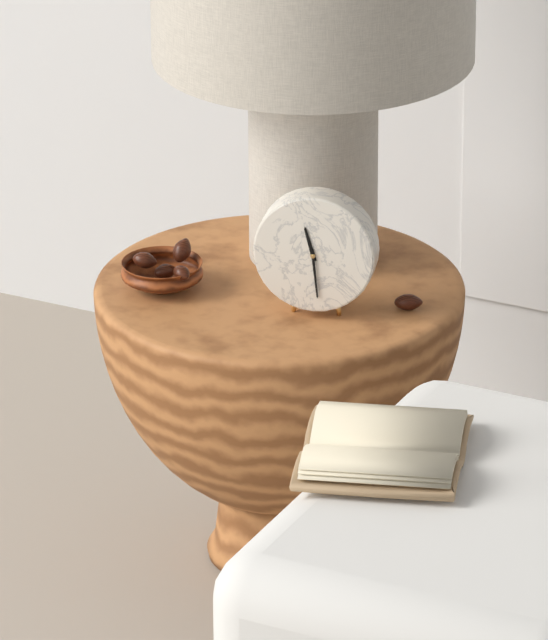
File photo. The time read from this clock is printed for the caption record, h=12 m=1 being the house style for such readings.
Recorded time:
h=11 m=29
